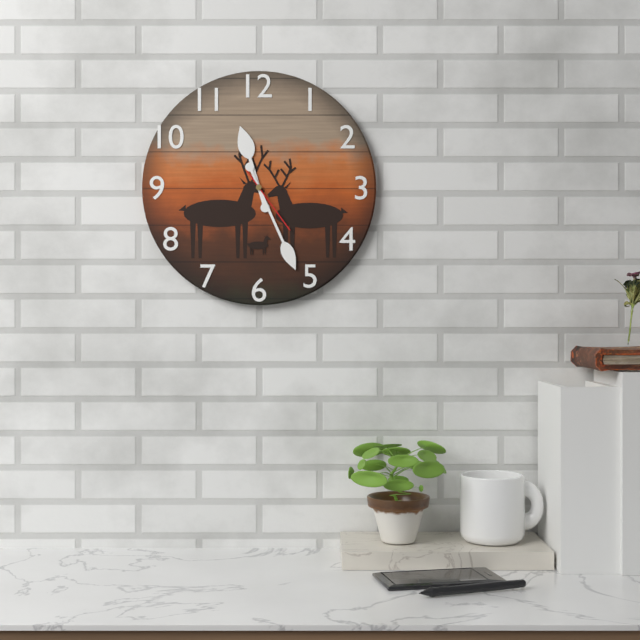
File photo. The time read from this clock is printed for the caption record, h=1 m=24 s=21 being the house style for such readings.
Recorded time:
h=11 m=26 s=24
